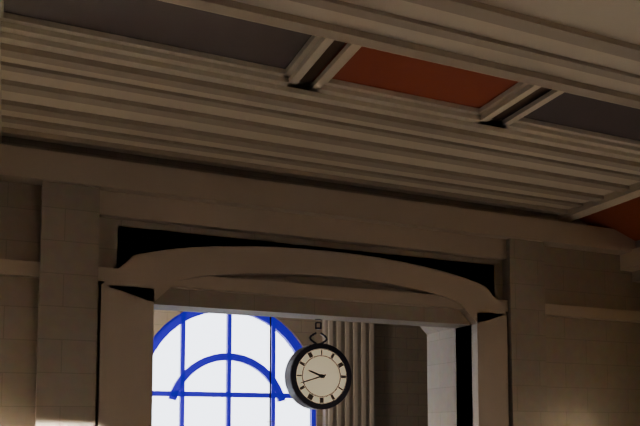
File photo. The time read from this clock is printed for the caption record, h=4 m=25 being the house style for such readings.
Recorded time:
h=9 m=42
